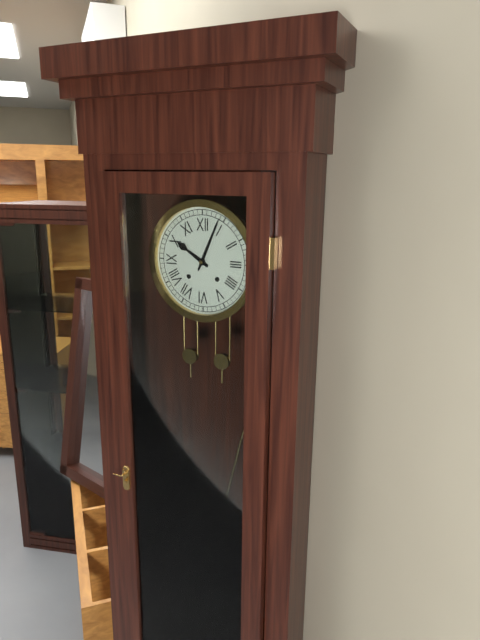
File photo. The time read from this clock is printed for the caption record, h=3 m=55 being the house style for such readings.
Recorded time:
h=10 m=4
